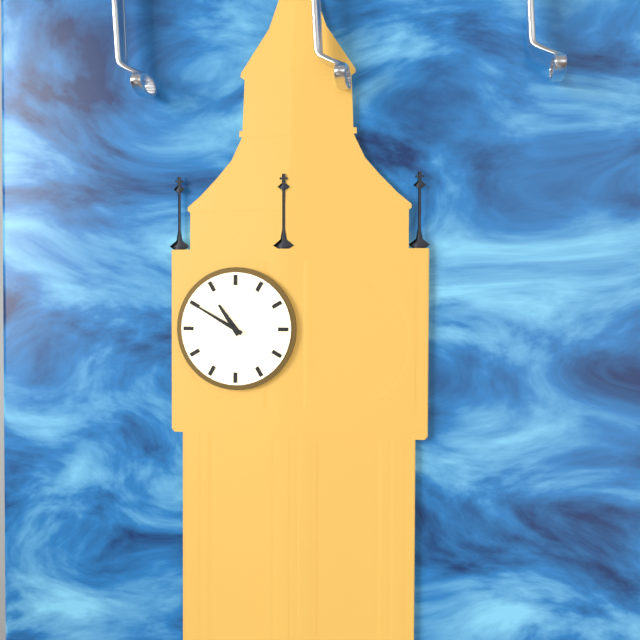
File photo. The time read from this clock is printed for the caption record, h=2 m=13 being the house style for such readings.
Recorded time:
h=10 m=50
